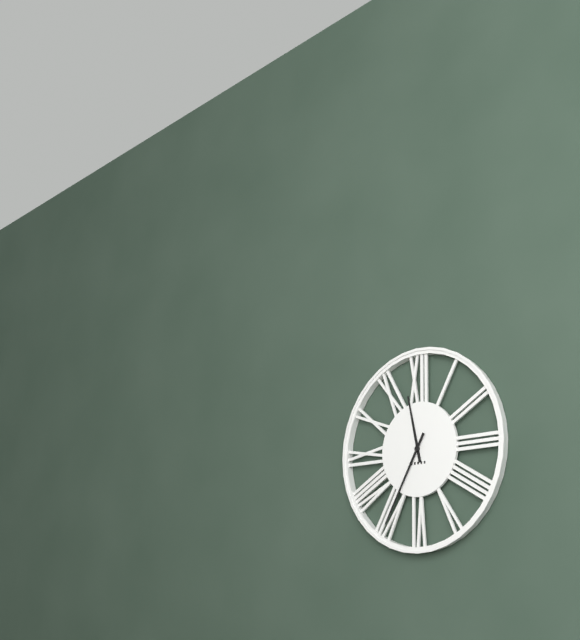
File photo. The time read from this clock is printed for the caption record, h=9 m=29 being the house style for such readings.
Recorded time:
h=11 m=35
